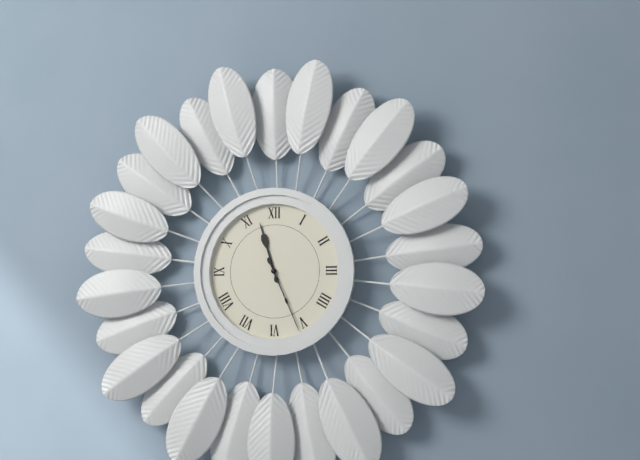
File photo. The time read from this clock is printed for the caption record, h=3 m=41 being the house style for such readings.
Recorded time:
h=11 m=26
